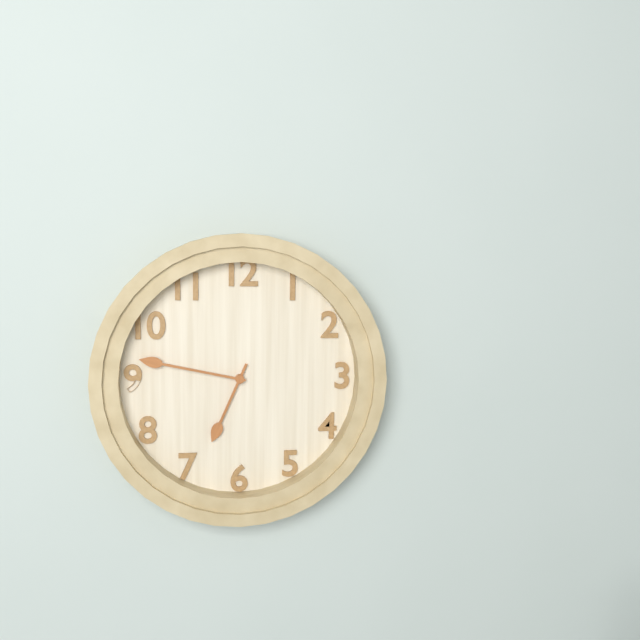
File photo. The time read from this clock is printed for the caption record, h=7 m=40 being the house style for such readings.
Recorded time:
h=6 m=47
